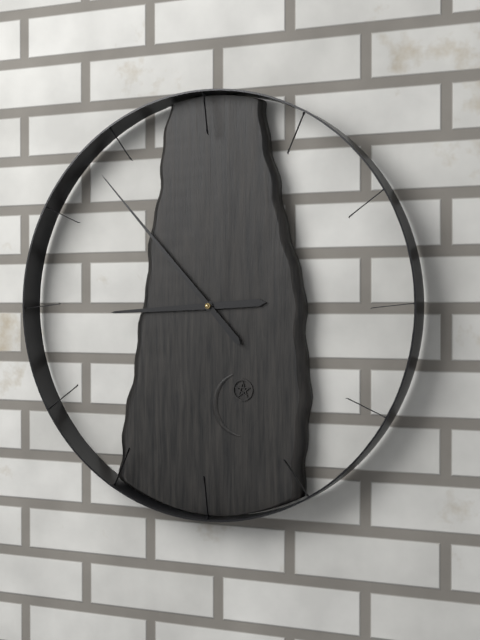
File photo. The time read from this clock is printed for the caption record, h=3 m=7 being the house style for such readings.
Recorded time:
h=8 m=53
